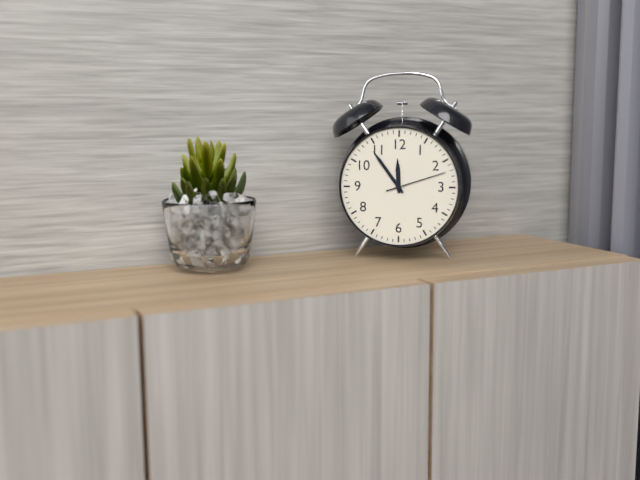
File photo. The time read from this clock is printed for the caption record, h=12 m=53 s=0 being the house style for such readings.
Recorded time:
h=11 m=54 s=12
